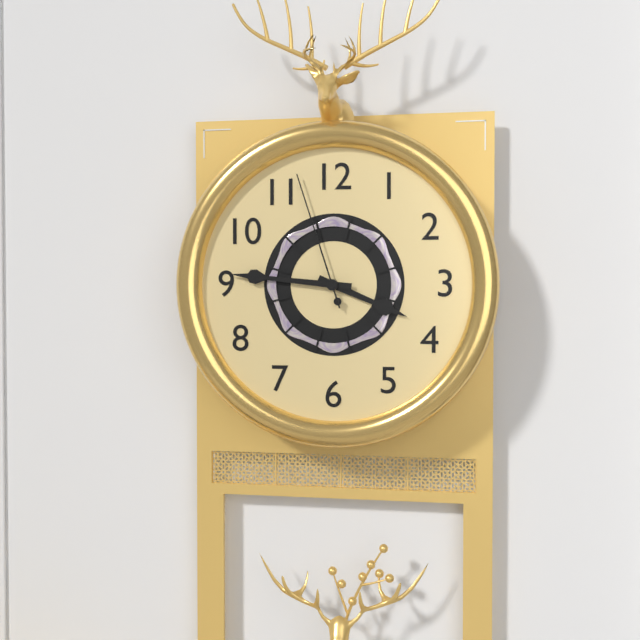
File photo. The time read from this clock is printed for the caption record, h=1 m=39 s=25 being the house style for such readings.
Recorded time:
h=3 m=46 s=57
